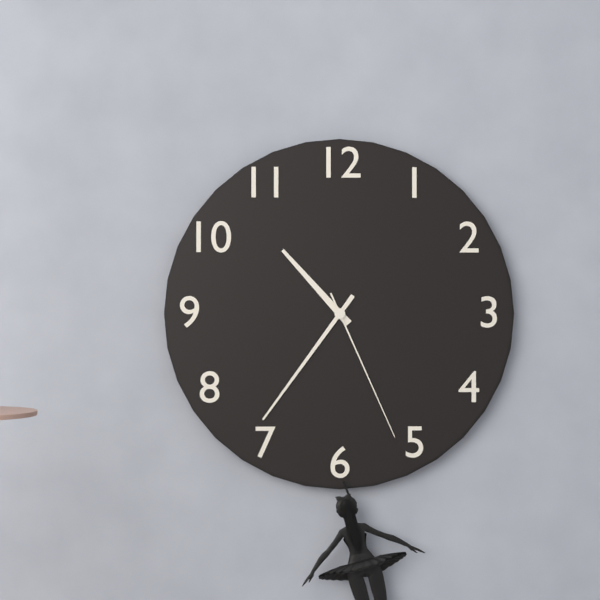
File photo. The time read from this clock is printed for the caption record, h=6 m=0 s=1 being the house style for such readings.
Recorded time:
h=10 m=36 s=26
